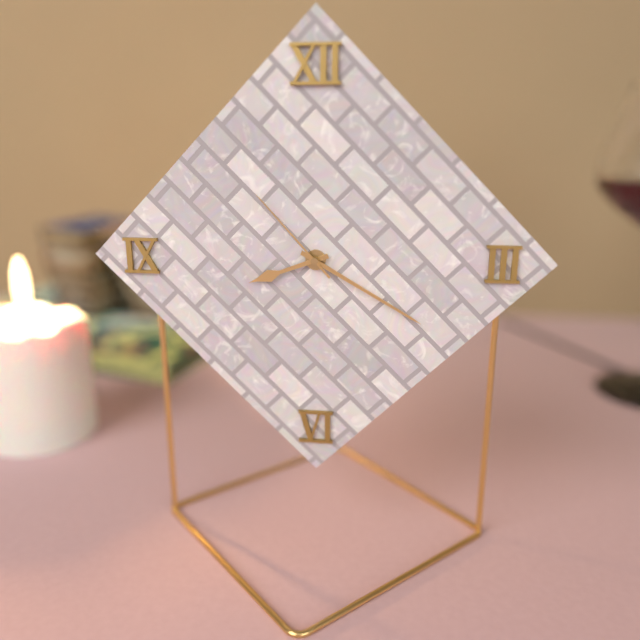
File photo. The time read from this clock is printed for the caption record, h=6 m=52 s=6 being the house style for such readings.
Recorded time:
h=8 m=20 s=53
